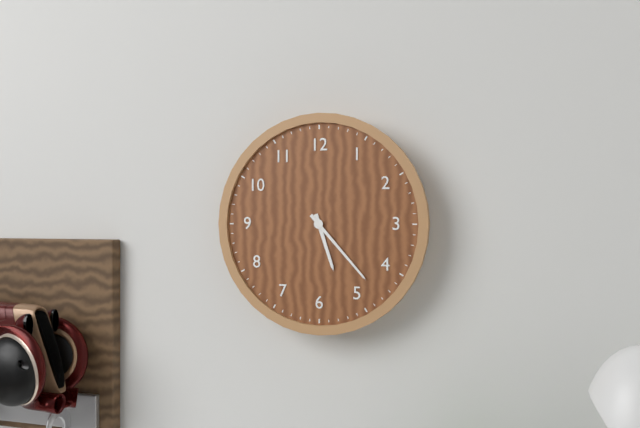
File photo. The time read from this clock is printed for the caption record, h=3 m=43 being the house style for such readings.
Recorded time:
h=5 m=23
